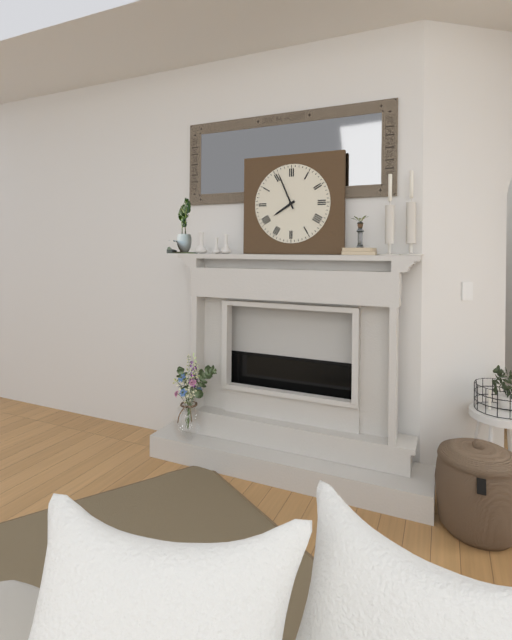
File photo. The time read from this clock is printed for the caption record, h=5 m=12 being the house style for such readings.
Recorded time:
h=7 m=56
